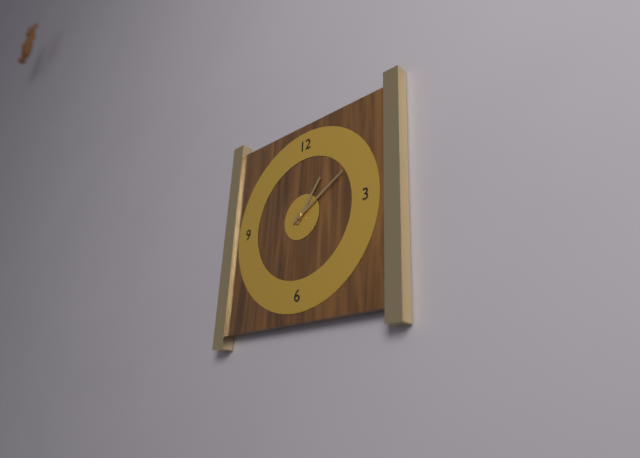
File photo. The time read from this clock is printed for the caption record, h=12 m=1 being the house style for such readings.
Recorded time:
h=1 m=10
